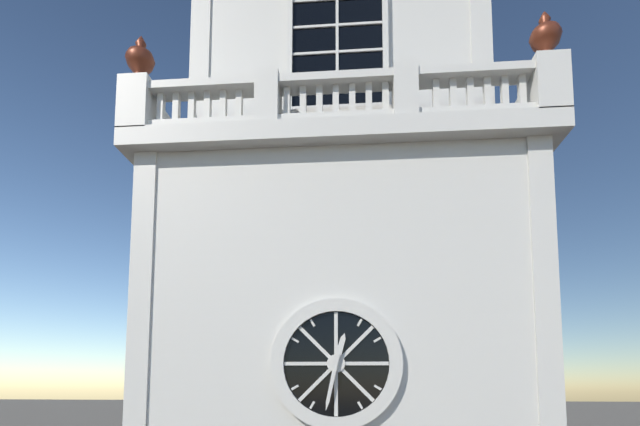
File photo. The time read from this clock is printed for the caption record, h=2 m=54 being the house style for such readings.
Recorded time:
h=12 m=32
